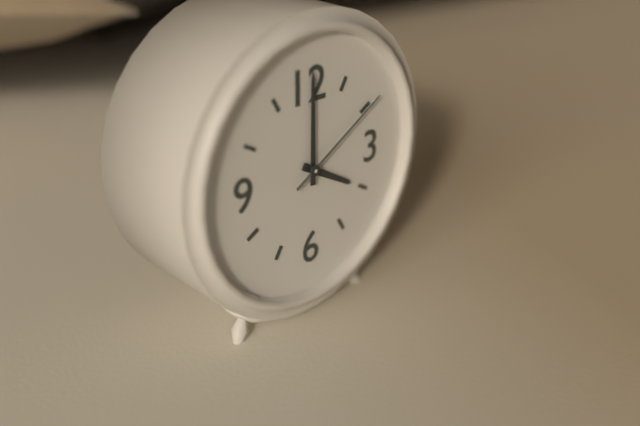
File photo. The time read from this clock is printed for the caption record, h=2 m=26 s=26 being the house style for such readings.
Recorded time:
h=4 m=0 s=10
